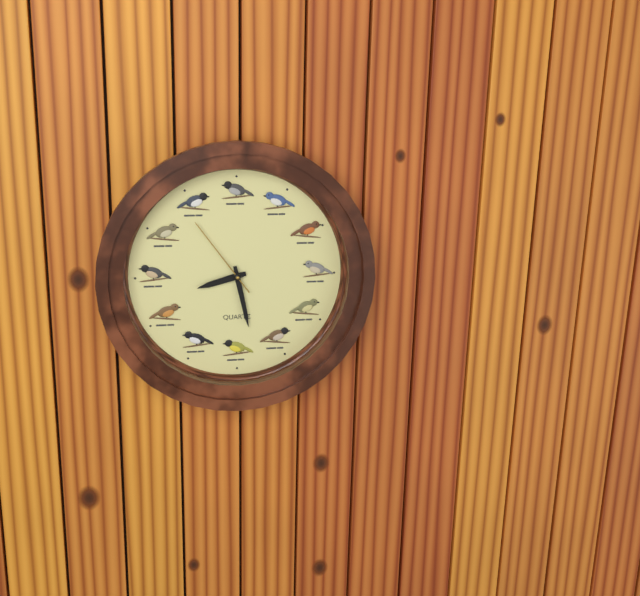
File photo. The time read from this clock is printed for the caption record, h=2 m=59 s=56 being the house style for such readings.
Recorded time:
h=8 m=28 s=54
